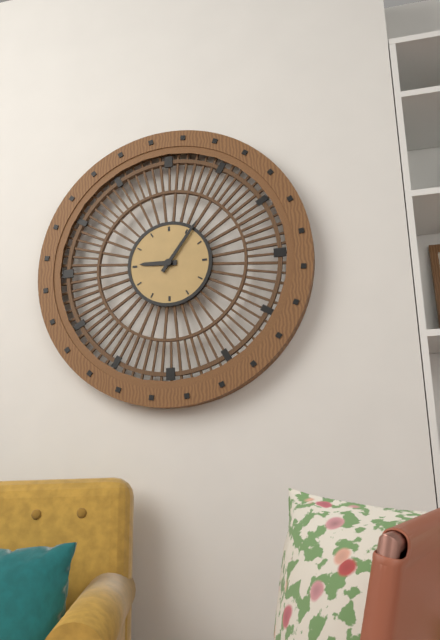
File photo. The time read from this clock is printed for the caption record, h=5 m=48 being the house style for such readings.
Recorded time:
h=9 m=6
